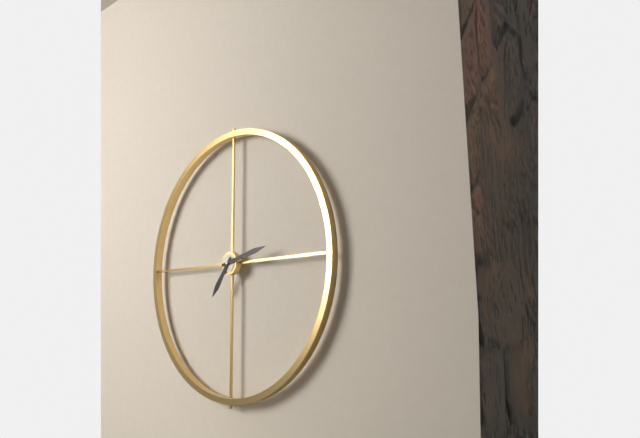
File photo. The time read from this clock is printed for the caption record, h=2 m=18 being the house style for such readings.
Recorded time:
h=7 m=13
